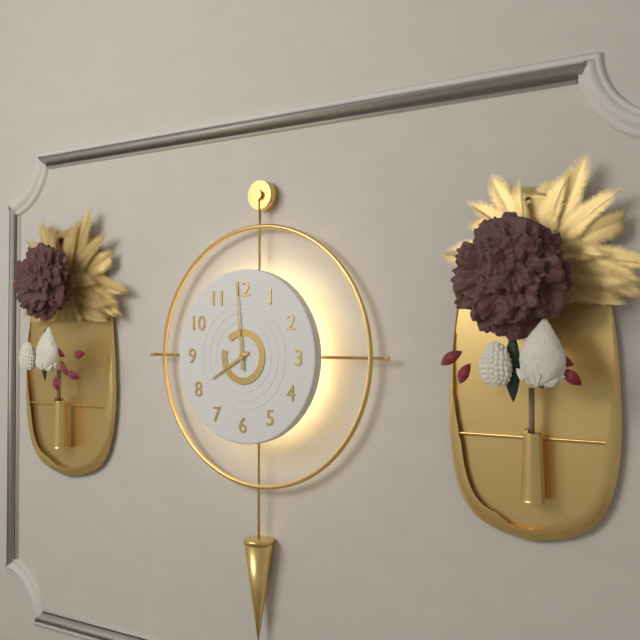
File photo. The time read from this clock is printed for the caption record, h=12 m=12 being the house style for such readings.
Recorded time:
h=7 m=59
